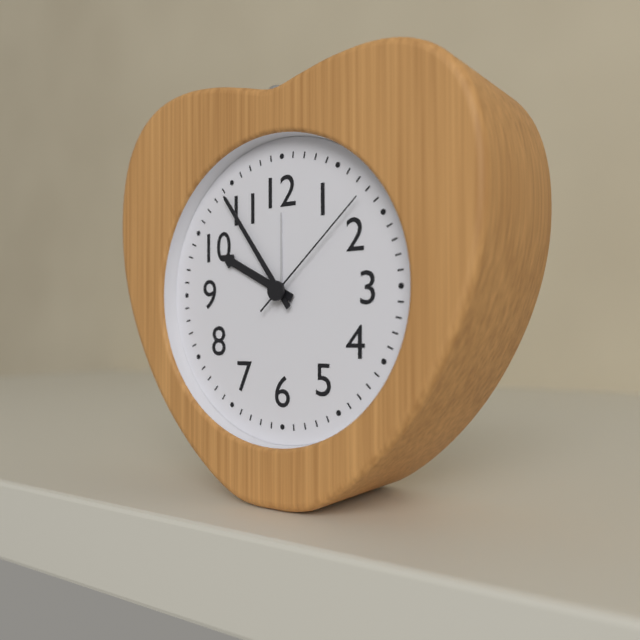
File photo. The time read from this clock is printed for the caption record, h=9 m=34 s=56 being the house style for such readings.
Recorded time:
h=9 m=54 s=8
